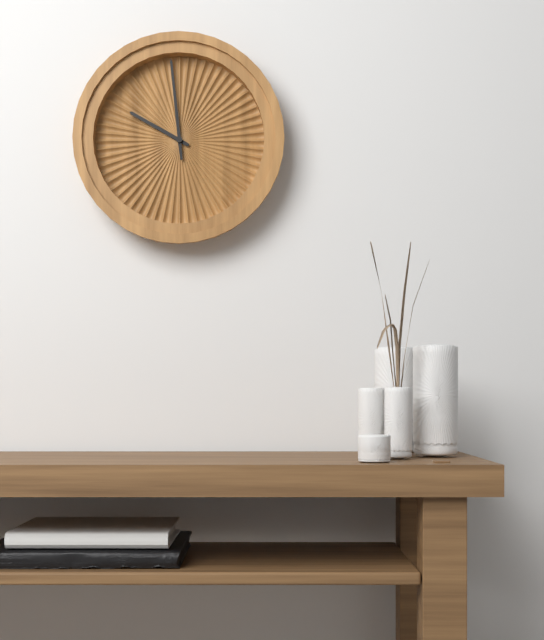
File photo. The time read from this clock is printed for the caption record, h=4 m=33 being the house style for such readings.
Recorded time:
h=9 m=59
